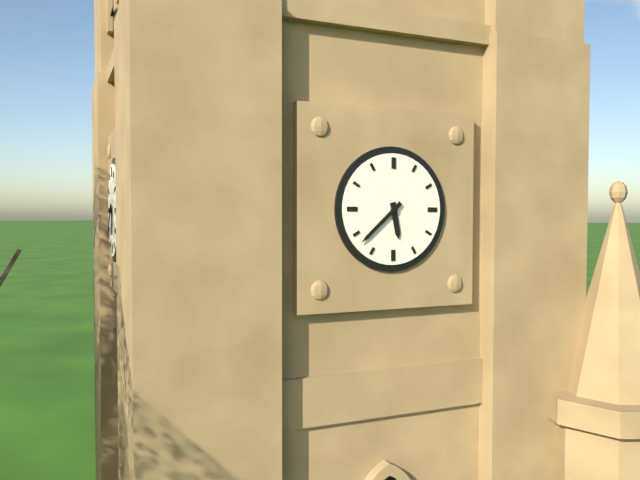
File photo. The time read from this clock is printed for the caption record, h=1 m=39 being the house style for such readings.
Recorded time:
h=5 m=38
